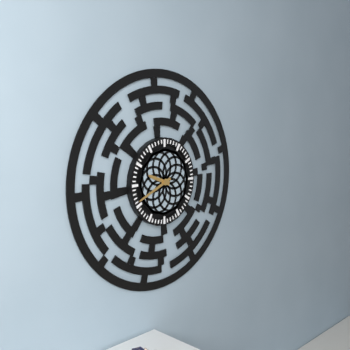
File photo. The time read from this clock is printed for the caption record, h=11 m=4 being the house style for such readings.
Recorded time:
h=9 m=41
